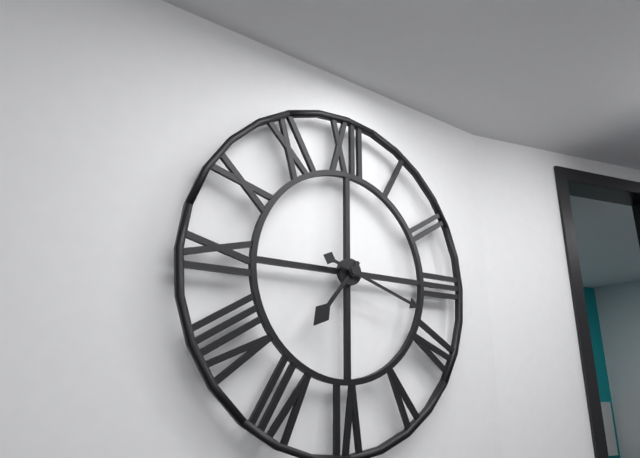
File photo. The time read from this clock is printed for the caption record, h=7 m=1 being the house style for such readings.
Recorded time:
h=7 m=18
